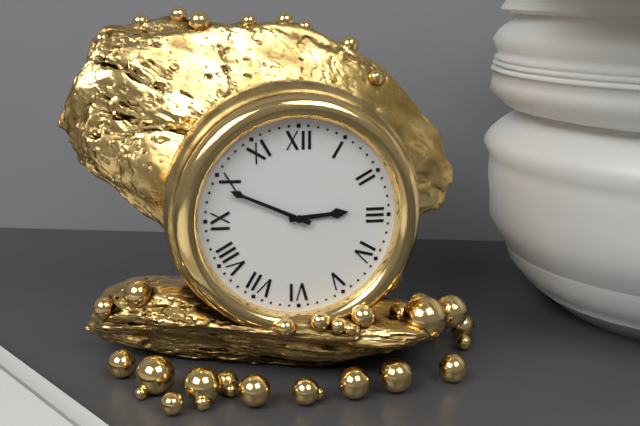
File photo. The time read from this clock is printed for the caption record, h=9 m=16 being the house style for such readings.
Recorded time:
h=2 m=49
